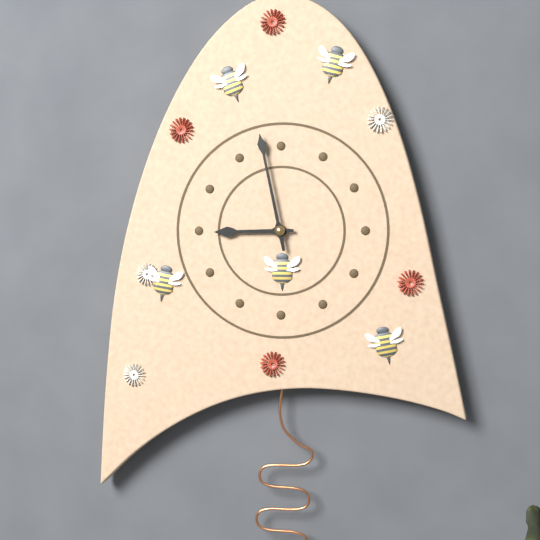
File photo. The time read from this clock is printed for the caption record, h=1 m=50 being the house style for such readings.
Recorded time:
h=8 m=58
